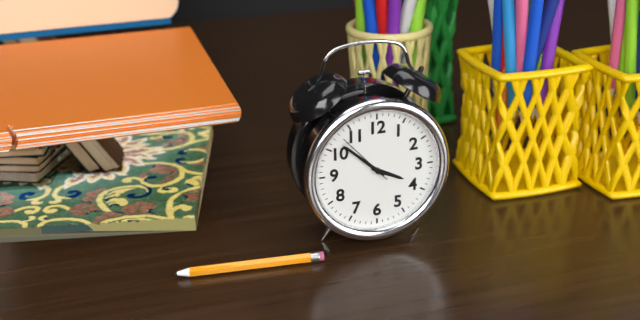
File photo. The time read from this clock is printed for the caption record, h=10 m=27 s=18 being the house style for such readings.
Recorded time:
h=3 m=52 s=53
